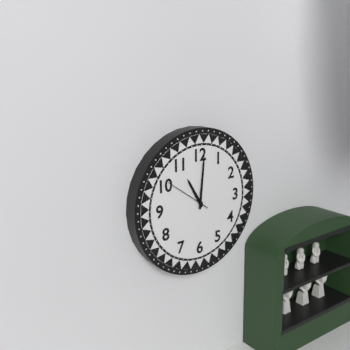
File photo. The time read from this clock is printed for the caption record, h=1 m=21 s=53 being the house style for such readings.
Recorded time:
h=11 m=1 s=51
